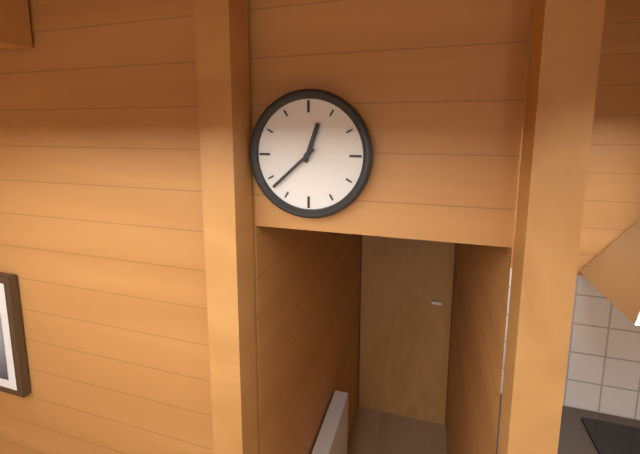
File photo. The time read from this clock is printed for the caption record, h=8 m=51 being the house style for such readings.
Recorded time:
h=12 m=38
